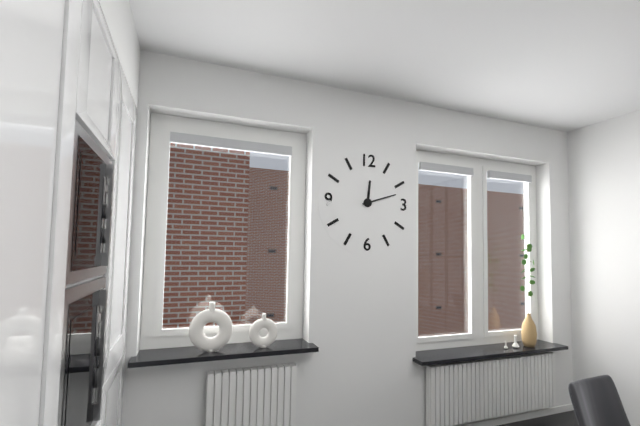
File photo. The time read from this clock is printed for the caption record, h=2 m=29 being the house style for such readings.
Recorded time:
h=12 m=12
